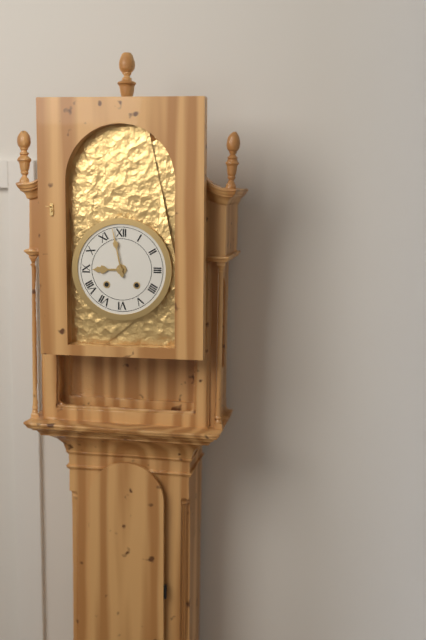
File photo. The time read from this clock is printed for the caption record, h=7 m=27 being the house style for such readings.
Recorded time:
h=8 m=58
